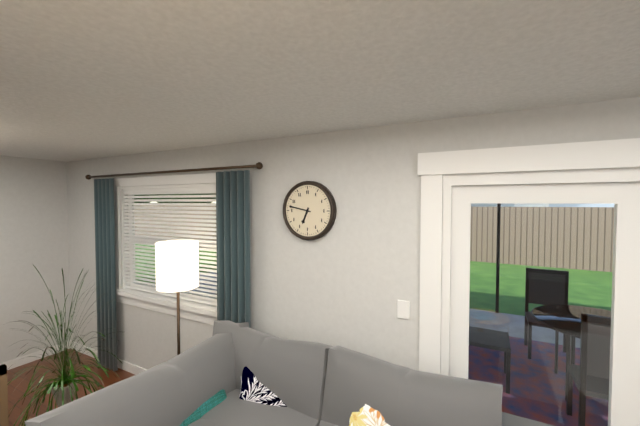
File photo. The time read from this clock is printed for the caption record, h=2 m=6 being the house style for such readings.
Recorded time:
h=6 m=47
